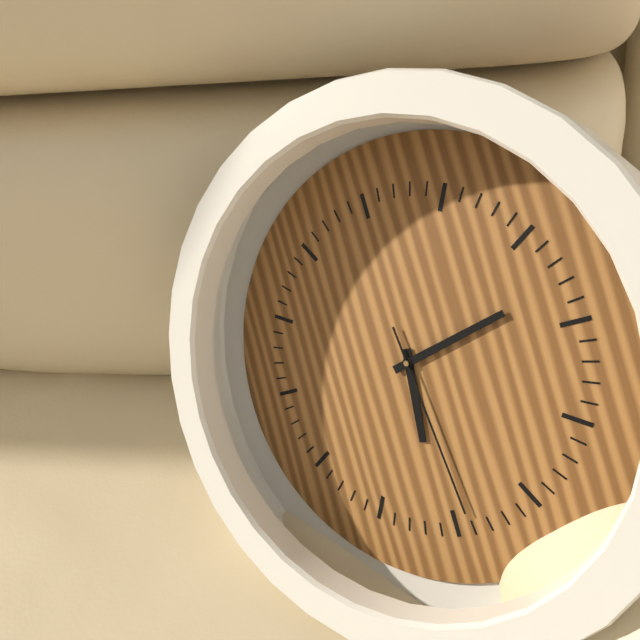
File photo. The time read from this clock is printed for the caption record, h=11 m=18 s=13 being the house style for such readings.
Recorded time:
h=6 m=13 s=29
